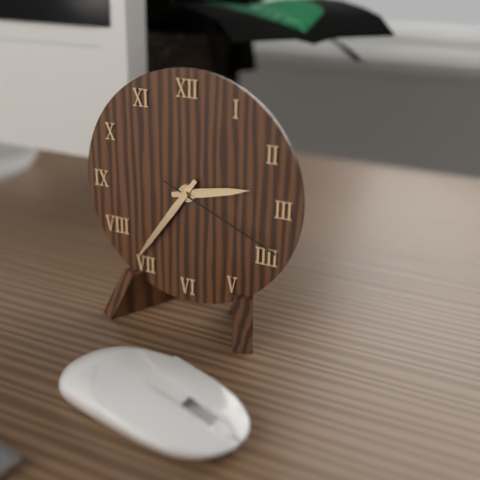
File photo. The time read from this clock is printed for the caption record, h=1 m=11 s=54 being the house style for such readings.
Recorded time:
h=2 m=36 s=19
